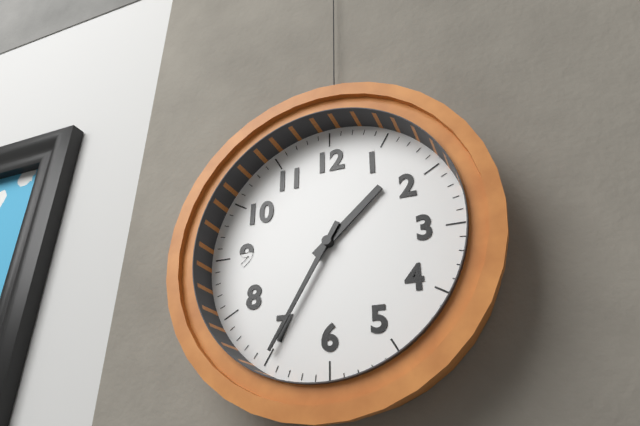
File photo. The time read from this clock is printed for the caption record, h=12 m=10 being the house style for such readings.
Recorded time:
h=1 m=35
